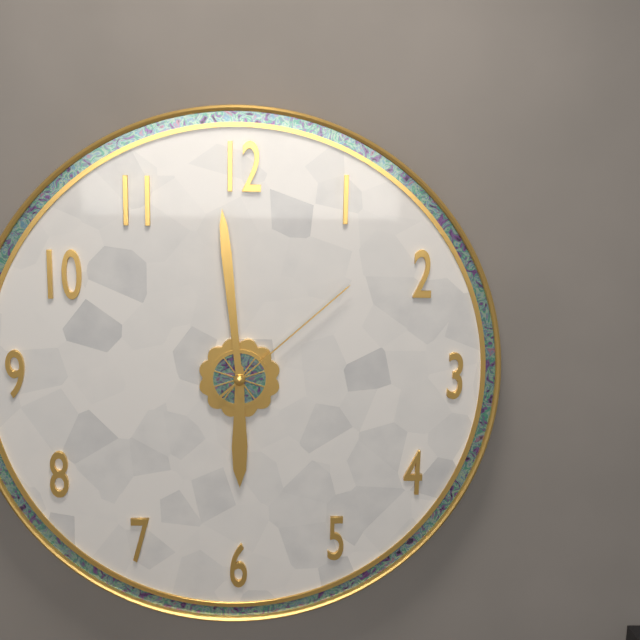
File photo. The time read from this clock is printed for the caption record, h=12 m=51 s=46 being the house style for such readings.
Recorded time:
h=5 m=59 s=8
